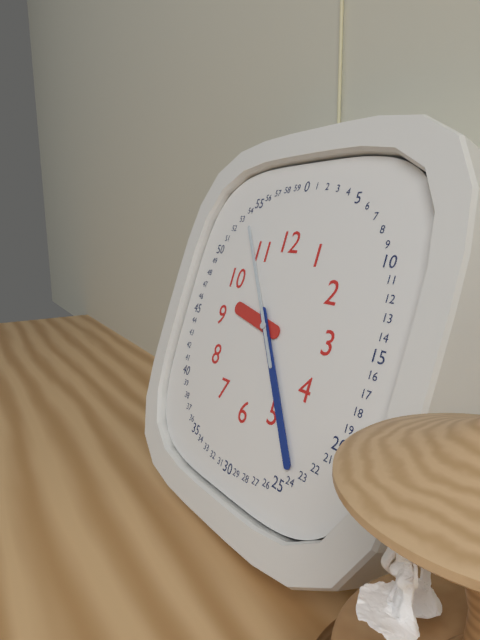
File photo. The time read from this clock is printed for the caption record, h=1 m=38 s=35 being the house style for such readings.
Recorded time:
h=9 m=24 s=54
